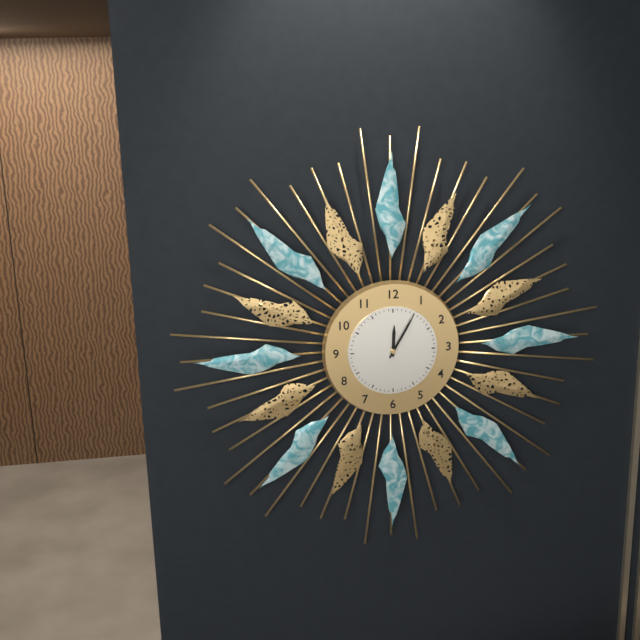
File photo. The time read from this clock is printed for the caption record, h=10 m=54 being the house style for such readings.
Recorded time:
h=12 m=5
